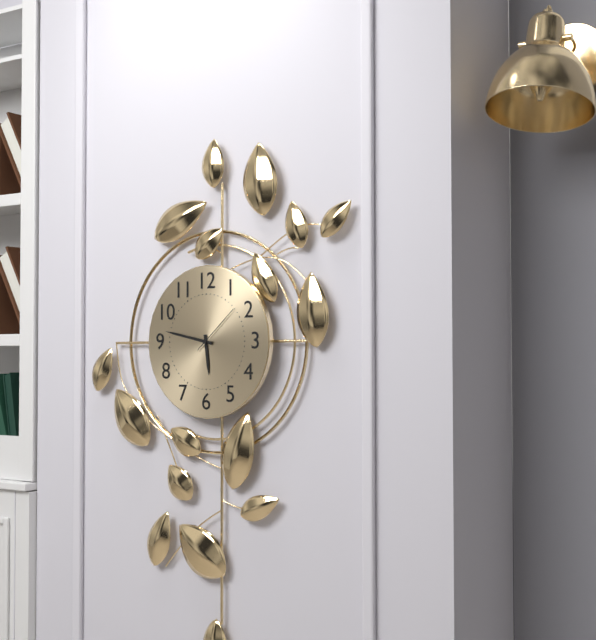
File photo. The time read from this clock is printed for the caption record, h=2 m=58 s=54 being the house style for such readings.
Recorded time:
h=5 m=47 s=8
